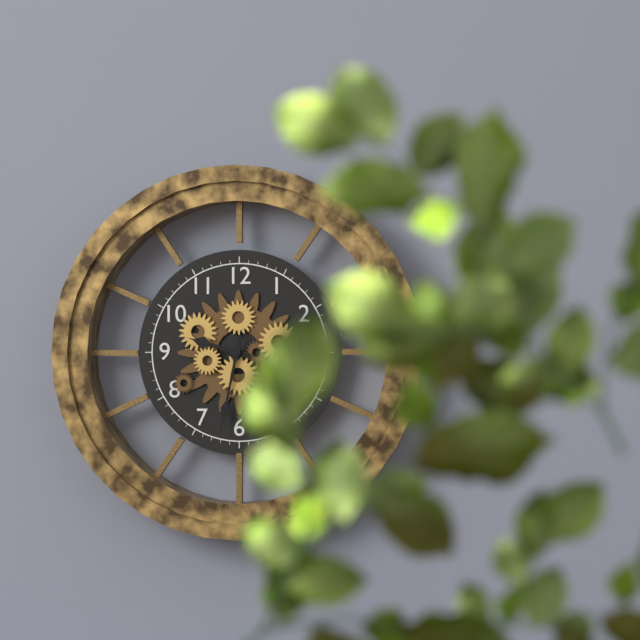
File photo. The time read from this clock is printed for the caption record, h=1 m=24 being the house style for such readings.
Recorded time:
h=9 m=32
